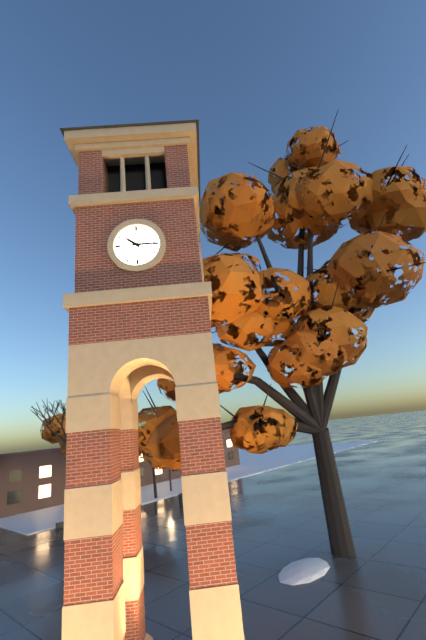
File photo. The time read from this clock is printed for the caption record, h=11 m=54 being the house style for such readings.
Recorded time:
h=10 m=15
